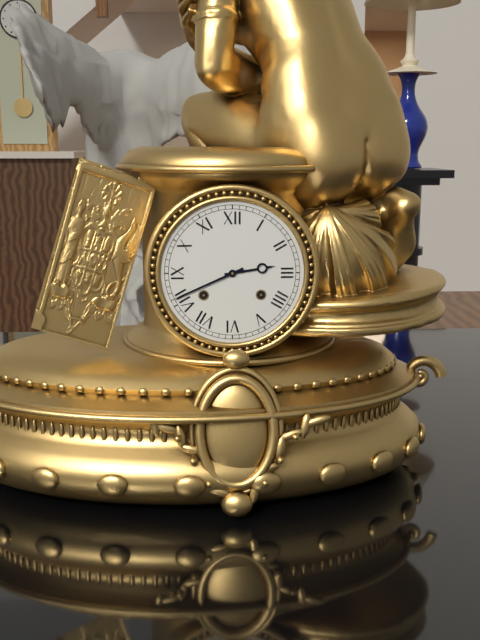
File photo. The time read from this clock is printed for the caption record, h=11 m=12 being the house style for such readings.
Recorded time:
h=2 m=41
